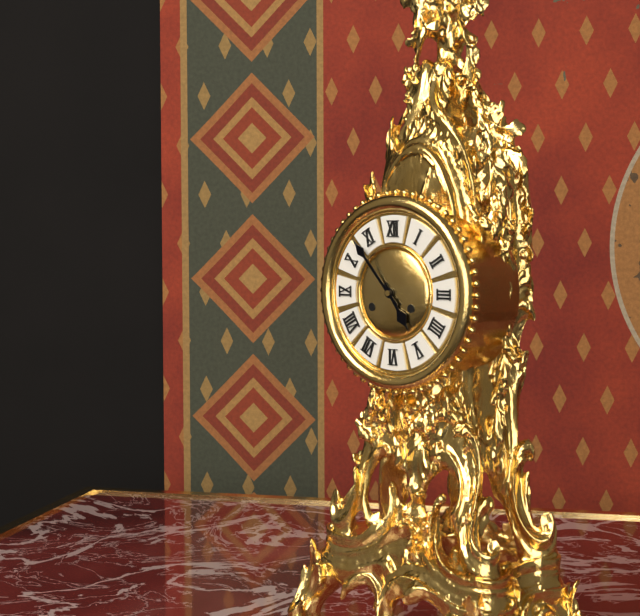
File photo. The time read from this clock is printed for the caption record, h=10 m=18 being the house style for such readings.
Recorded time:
h=4 m=53
